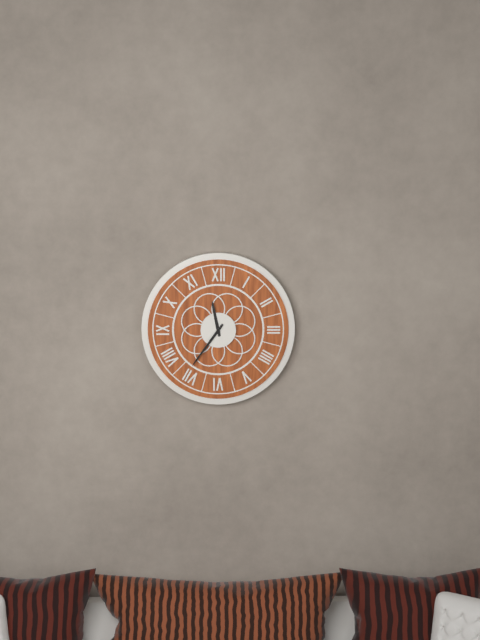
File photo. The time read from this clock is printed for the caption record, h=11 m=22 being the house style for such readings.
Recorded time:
h=11 m=36
